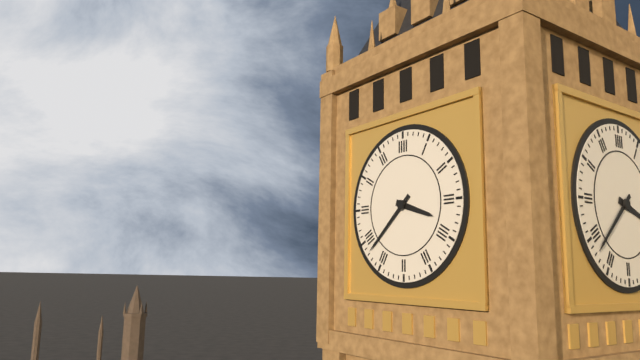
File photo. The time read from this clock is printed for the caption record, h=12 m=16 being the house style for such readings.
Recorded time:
h=3 m=38
